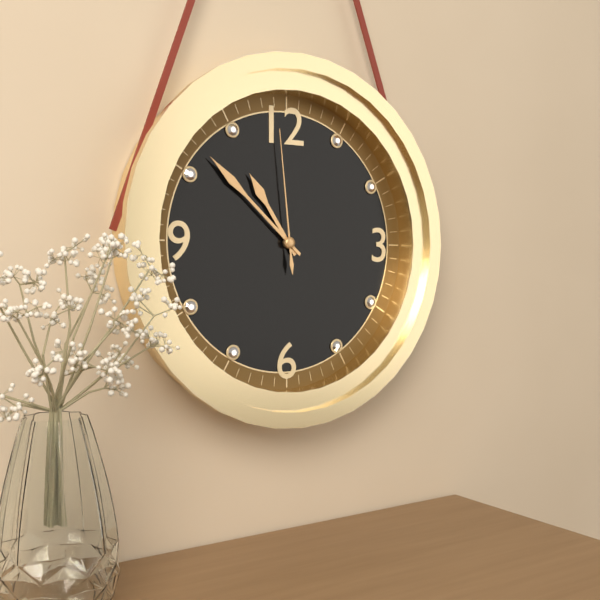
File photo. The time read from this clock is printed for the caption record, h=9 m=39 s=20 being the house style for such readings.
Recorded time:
h=10 m=52 s=59
